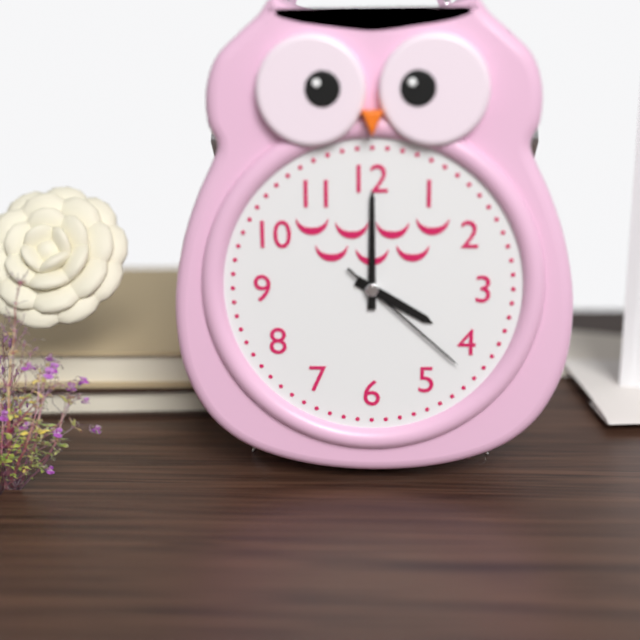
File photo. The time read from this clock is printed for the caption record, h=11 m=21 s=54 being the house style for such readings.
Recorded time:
h=4 m=0 s=22
